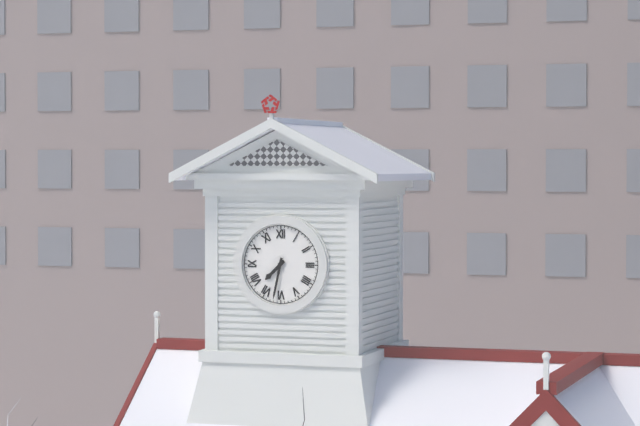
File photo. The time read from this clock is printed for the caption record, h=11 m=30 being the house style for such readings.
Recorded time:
h=7 m=32
